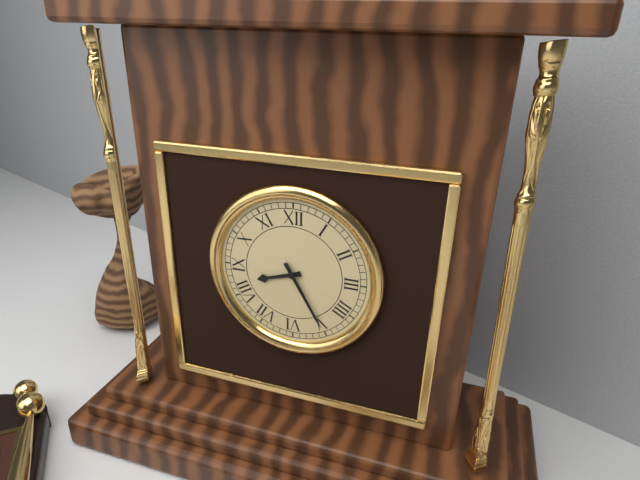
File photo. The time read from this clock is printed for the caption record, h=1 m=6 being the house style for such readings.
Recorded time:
h=8 m=25
